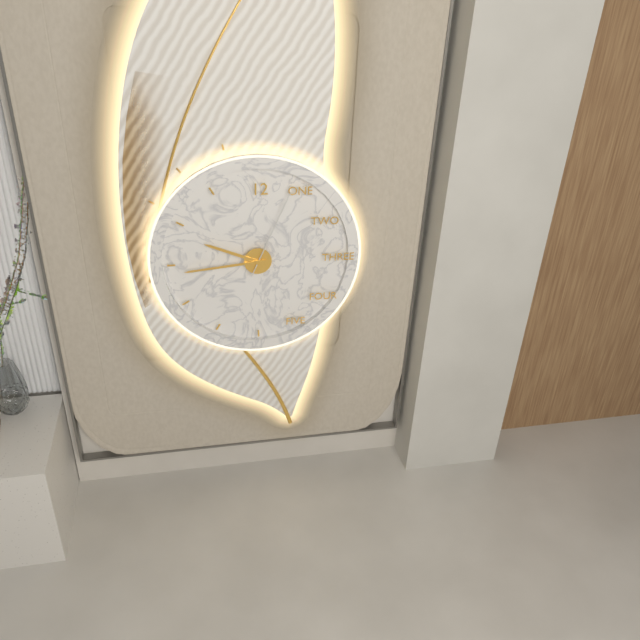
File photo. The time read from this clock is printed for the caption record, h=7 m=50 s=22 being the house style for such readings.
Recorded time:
h=9 m=44 s=4
